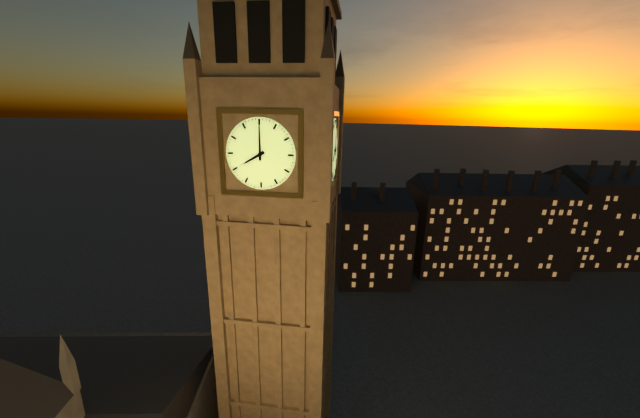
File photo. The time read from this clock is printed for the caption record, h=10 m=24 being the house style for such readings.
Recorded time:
h=8 m=0
